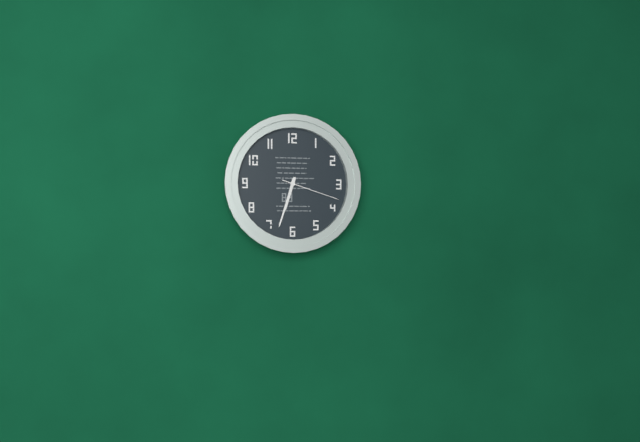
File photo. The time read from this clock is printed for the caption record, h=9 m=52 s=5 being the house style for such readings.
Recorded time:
h=6 m=33 s=18
